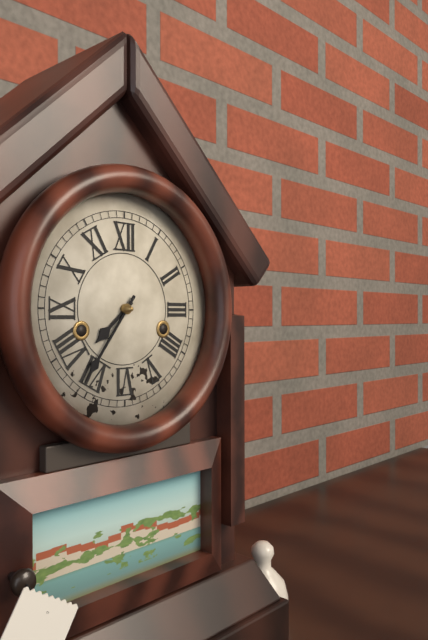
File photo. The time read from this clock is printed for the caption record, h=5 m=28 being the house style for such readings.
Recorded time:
h=7 m=36
